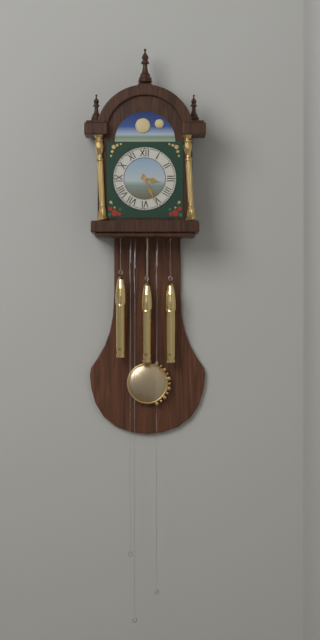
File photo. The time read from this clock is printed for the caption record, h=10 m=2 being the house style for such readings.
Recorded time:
h=3 m=26
